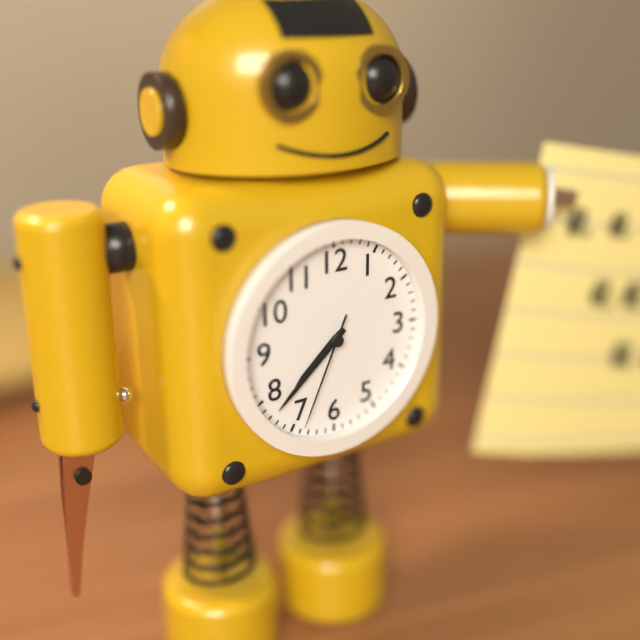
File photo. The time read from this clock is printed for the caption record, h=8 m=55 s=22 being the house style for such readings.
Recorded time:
h=7 m=38 s=34
